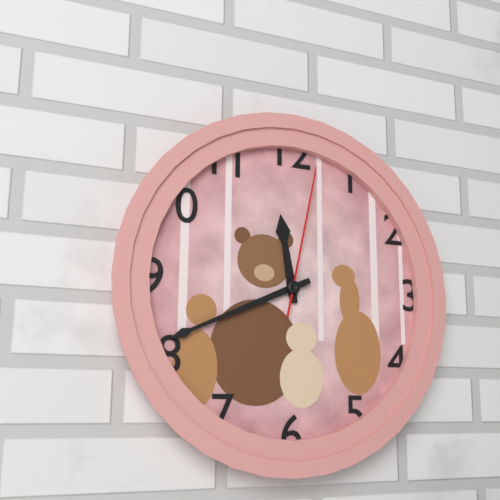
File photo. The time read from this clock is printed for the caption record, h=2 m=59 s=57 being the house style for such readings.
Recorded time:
h=11 m=41 s=2
